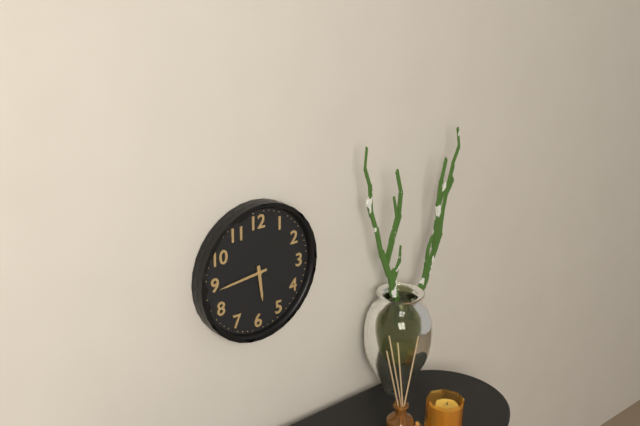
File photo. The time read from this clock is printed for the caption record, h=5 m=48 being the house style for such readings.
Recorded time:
h=5 m=44
